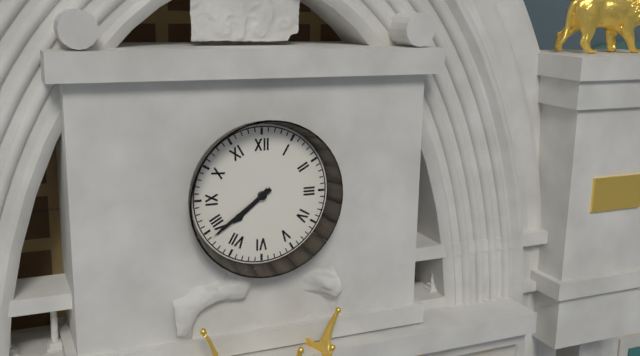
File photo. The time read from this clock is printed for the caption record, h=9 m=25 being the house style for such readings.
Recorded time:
h=7 m=39
